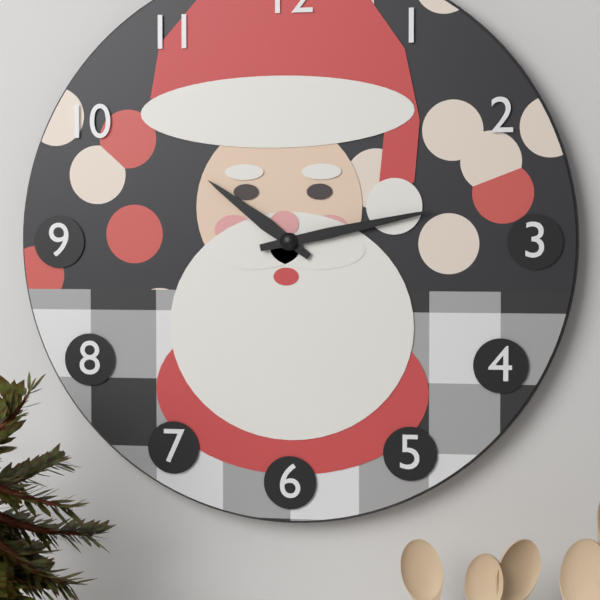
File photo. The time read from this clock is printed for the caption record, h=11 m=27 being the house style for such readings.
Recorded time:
h=10 m=13
